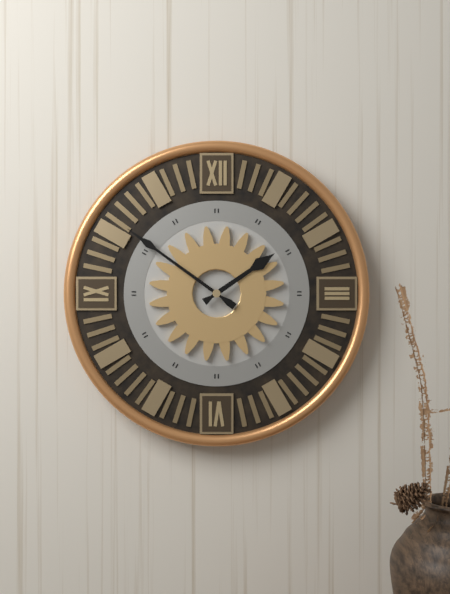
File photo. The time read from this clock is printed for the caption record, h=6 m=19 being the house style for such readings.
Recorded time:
h=1 m=51
